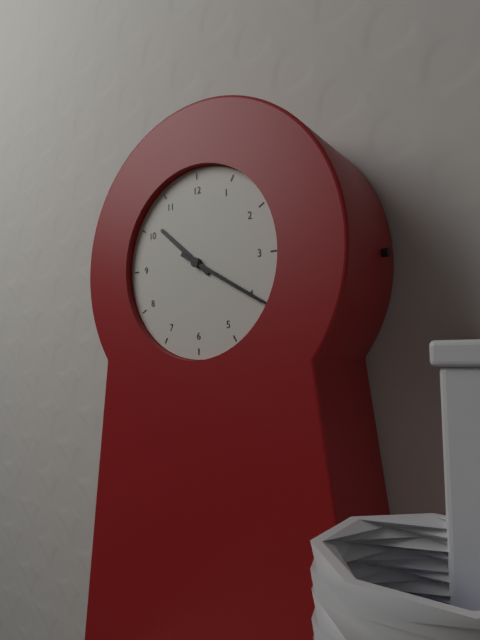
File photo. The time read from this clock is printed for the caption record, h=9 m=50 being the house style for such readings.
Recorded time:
h=10 m=20
